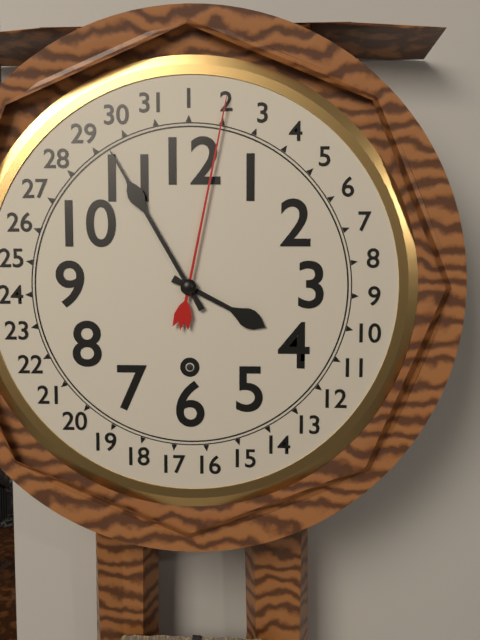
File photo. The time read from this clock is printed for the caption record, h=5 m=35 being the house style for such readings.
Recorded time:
h=3 m=55
